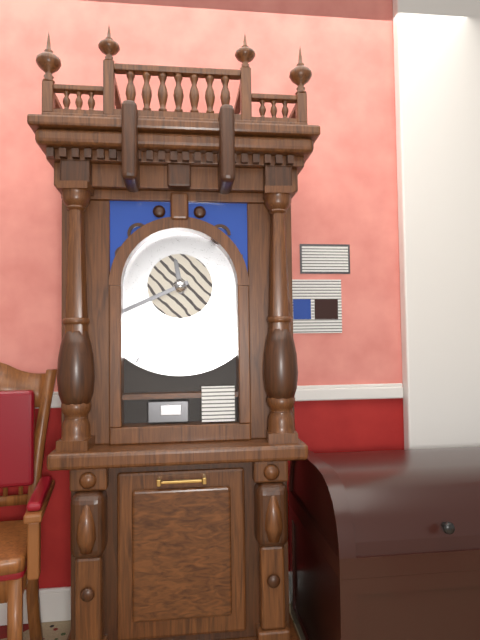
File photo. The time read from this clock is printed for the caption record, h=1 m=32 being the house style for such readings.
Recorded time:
h=11 m=41
